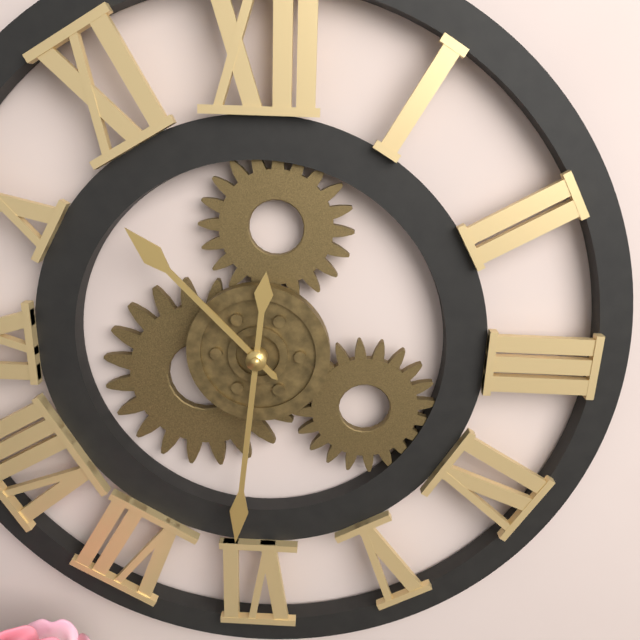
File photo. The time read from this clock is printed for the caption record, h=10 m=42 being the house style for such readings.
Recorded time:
h=10 m=31
